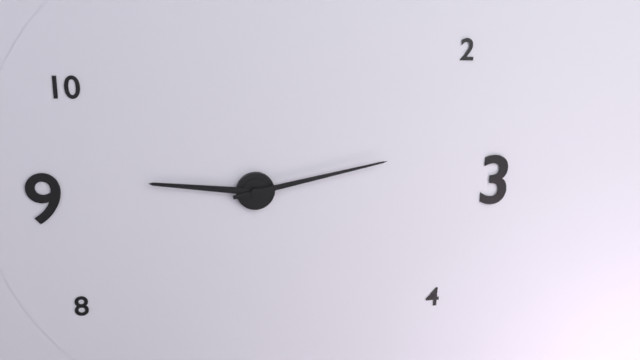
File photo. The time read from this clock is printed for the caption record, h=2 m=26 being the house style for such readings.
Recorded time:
h=9 m=13
